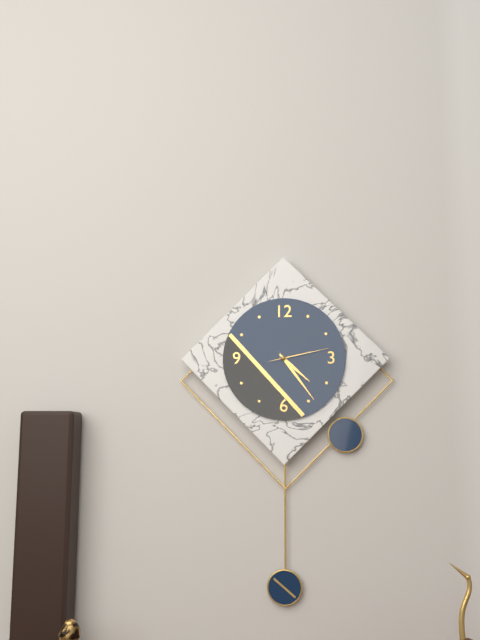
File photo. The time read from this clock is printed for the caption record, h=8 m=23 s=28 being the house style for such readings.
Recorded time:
h=4 m=24 s=13
